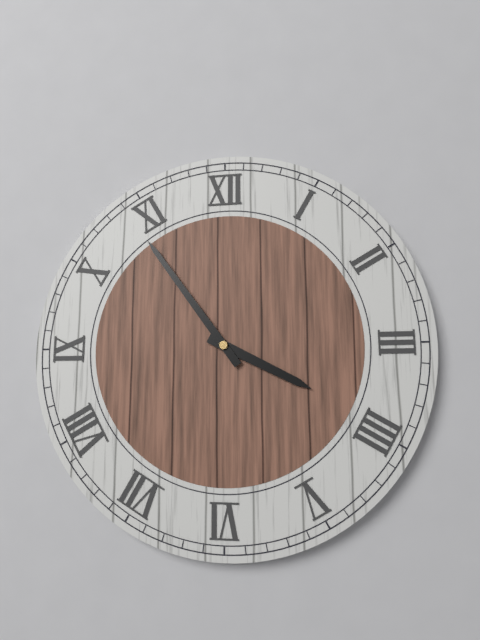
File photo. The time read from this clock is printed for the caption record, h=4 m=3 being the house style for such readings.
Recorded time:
h=3 m=54
